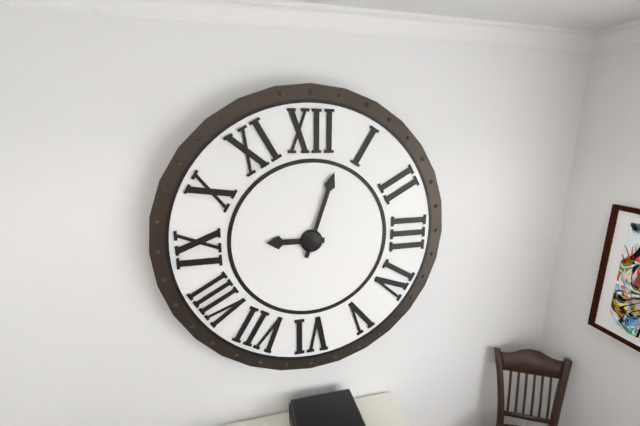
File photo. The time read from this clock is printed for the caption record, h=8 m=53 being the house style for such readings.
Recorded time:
h=9 m=3
